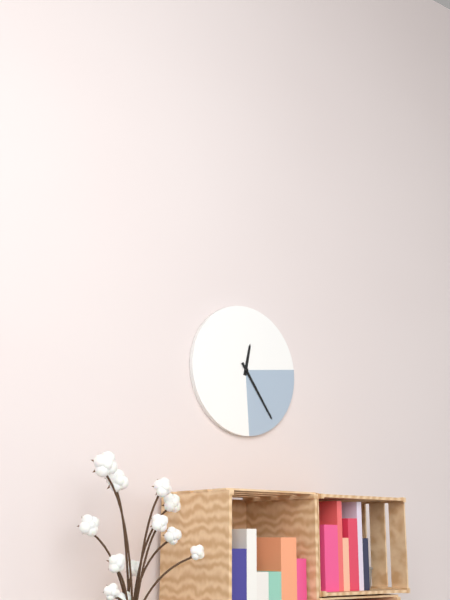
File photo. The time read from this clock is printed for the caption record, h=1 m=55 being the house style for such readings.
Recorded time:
h=12 m=24
